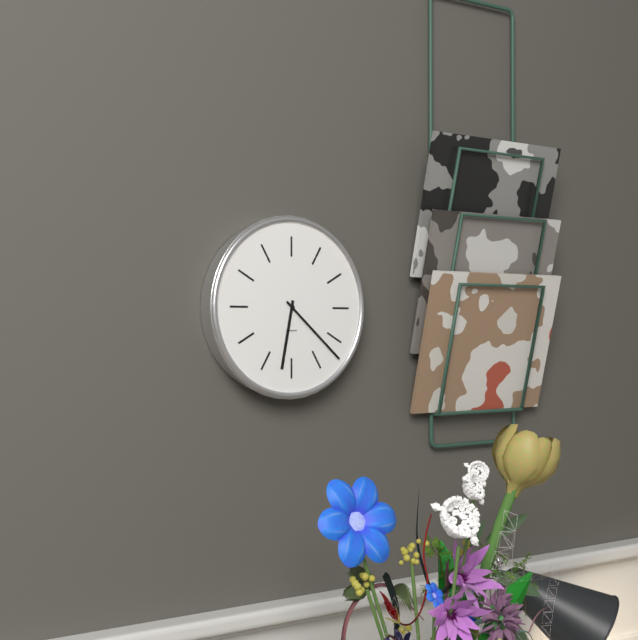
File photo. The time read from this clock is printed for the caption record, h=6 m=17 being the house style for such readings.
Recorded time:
h=6 m=22
